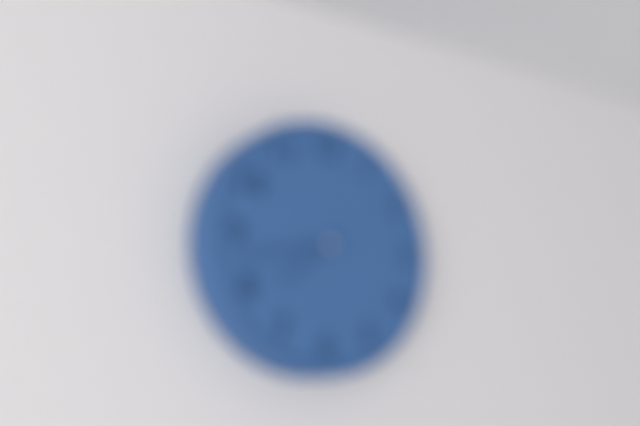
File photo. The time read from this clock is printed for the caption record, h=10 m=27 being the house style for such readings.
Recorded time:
h=7 m=43
